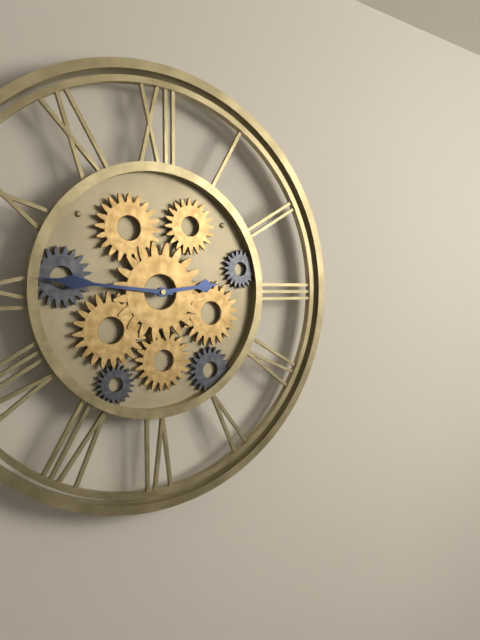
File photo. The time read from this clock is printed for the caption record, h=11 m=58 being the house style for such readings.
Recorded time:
h=2 m=46
